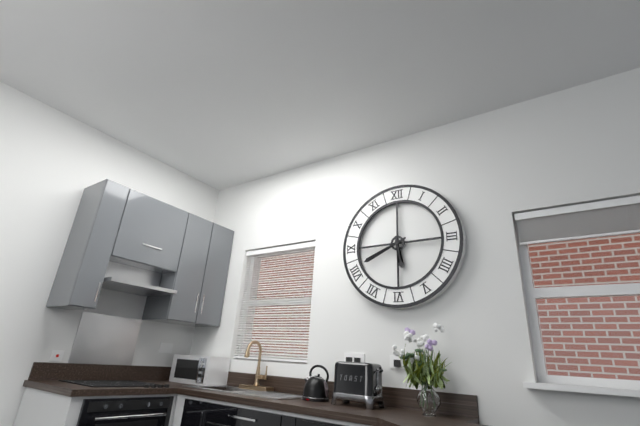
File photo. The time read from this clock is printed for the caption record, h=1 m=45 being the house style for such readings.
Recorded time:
h=5 m=41
